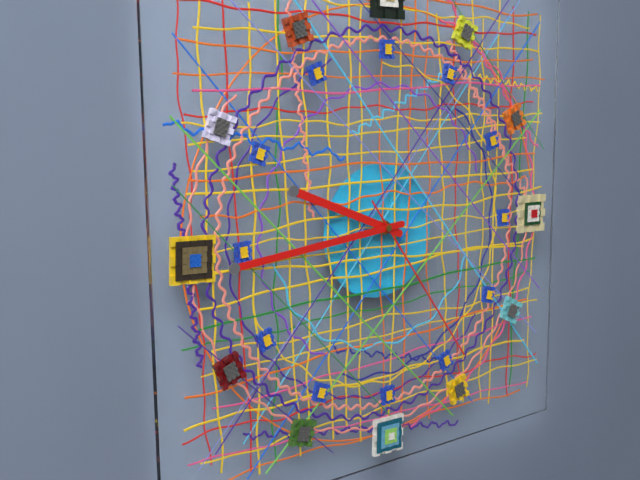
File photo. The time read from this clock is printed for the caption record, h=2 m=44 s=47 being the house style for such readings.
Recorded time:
h=9 m=44 s=24
